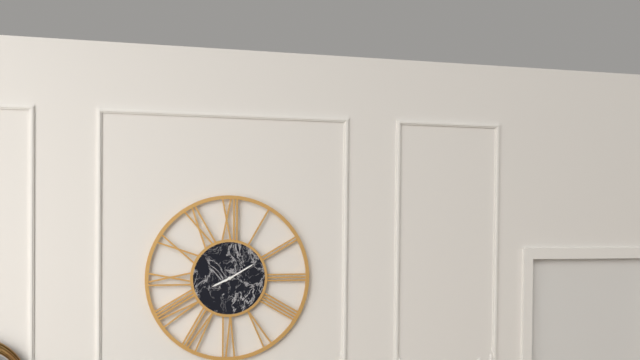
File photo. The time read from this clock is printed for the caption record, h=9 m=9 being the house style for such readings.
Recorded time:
h=8 m=10
